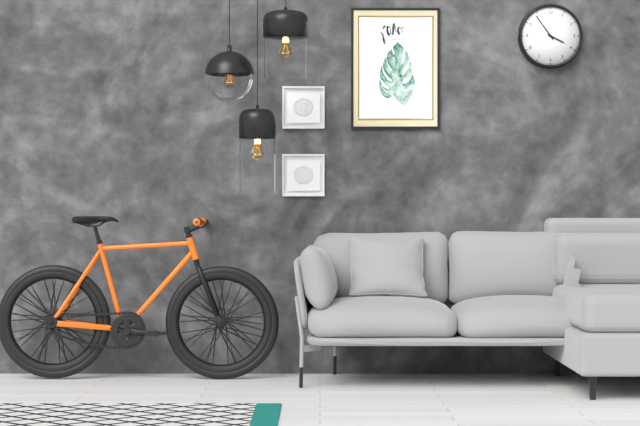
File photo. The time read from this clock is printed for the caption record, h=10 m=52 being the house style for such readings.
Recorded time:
h=3 m=54
